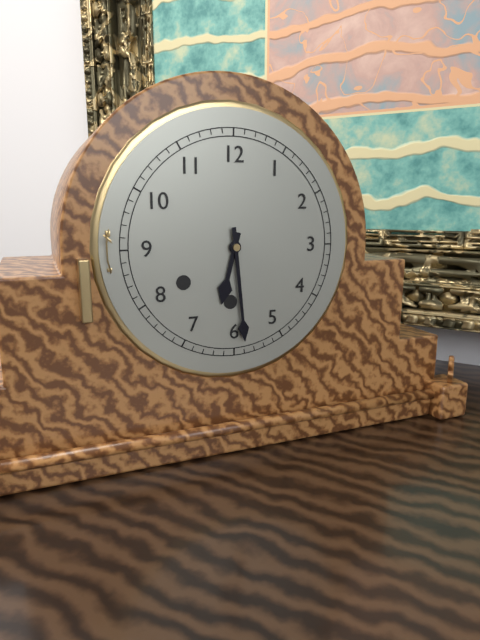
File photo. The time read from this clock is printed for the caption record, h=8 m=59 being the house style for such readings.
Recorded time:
h=6 m=29
